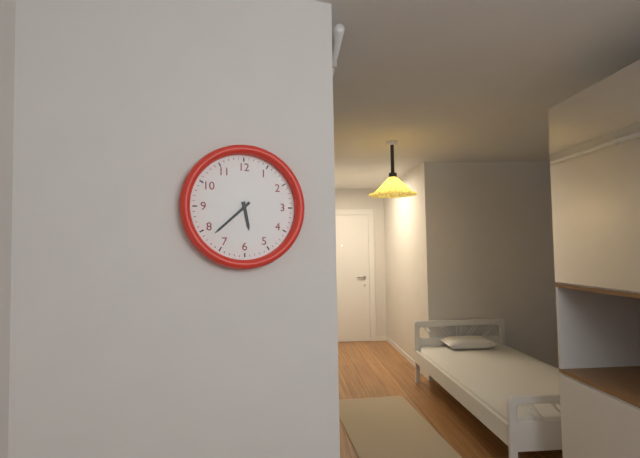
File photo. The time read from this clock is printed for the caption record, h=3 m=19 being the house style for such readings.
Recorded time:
h=5 m=38
